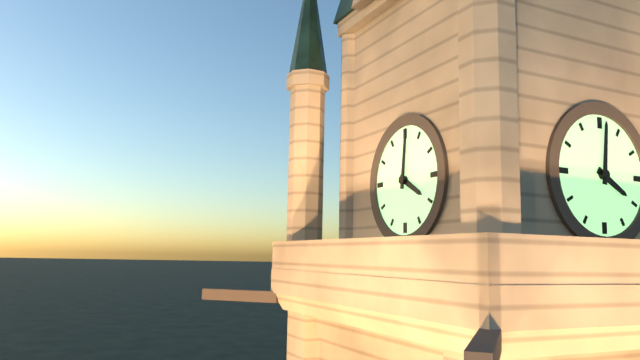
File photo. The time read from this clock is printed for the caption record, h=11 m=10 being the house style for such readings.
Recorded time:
h=4 m=1
